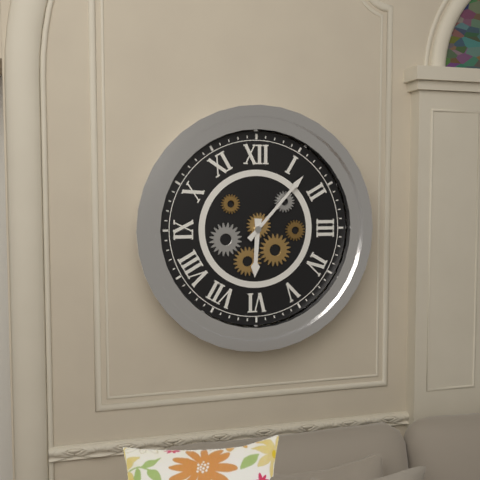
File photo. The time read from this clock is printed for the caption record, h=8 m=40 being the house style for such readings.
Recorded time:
h=6 m=7
